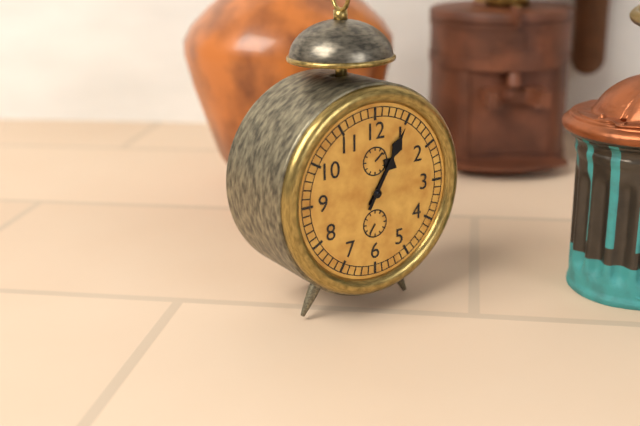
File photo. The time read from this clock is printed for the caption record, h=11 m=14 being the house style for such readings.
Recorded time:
h=1 m=5
